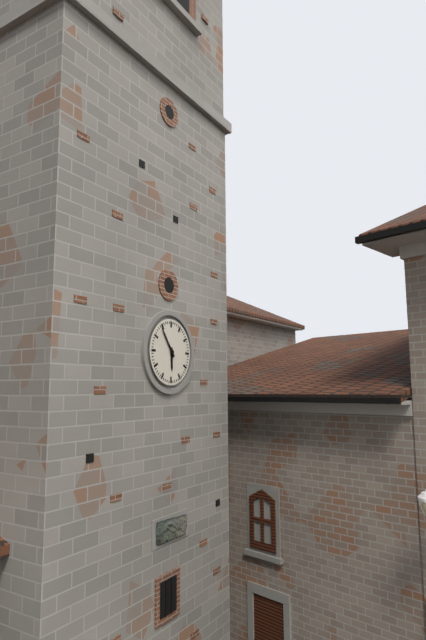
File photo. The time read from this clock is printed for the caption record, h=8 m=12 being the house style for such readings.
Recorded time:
h=5 m=54
